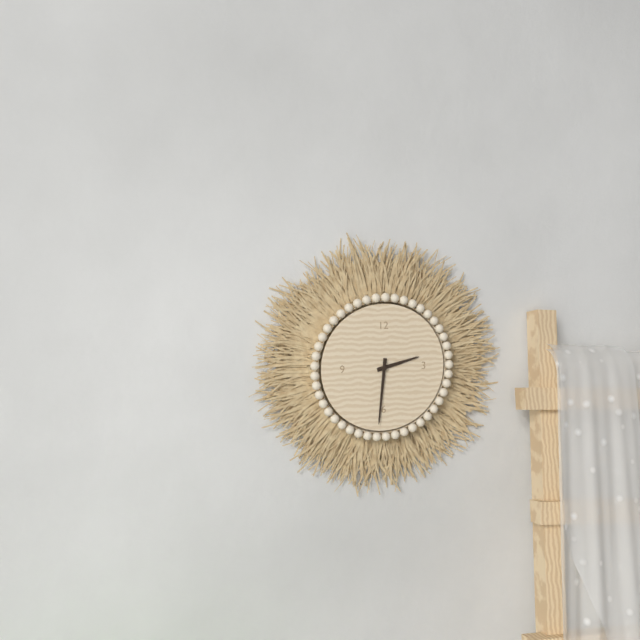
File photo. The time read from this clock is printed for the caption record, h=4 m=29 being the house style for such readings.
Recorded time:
h=2 m=31
